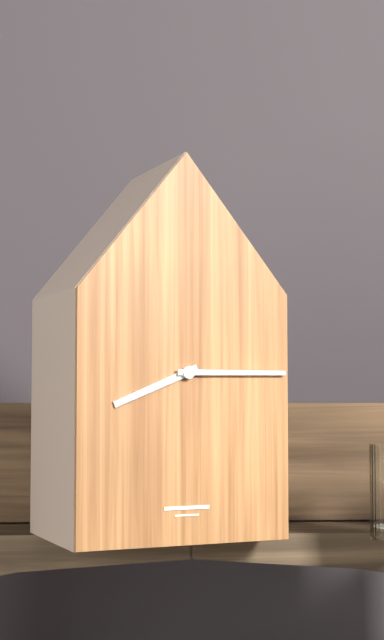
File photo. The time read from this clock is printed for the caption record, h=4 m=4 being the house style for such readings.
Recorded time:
h=8 m=15
